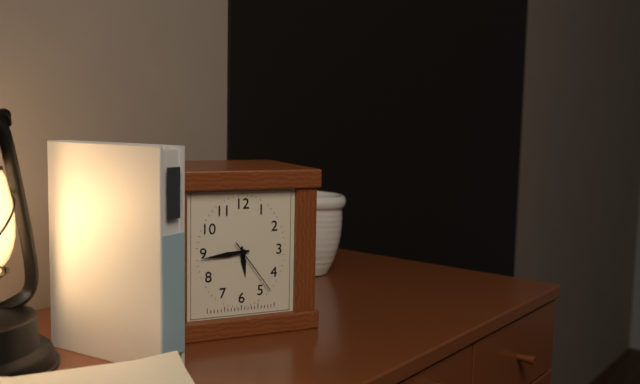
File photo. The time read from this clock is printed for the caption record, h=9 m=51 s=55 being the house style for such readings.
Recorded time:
h=5 m=44 s=24
